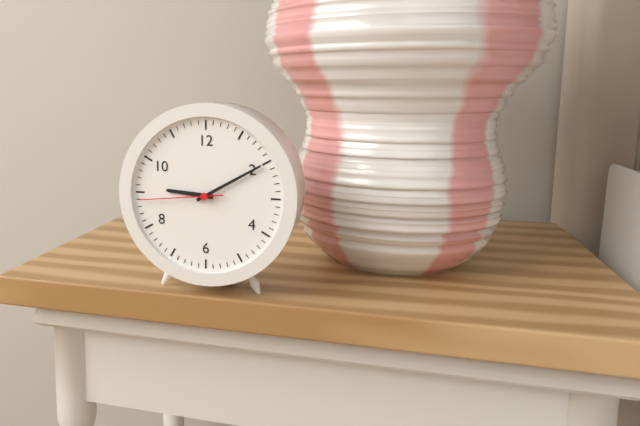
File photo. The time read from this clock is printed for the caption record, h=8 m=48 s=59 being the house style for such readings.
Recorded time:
h=9 m=10 s=44
